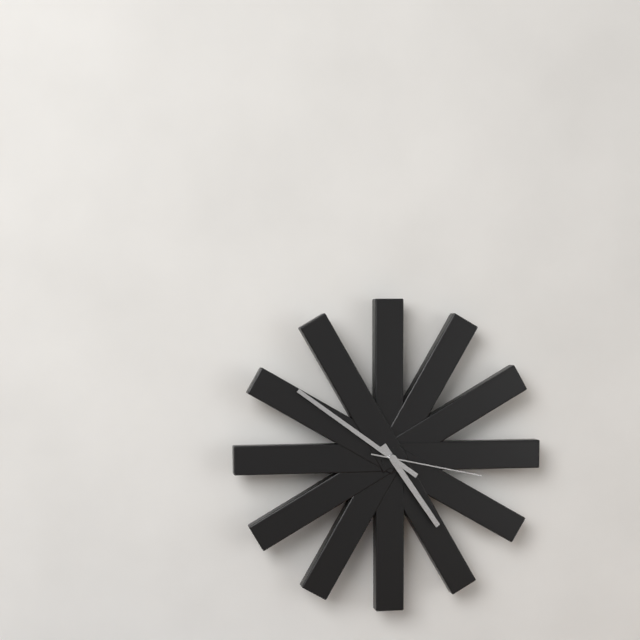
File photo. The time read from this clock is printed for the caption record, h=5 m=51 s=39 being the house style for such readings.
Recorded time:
h=4 m=51 s=17
